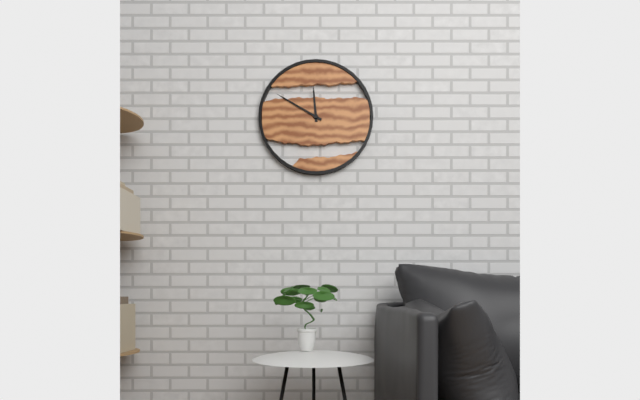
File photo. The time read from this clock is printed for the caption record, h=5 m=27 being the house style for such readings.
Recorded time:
h=11 m=50
